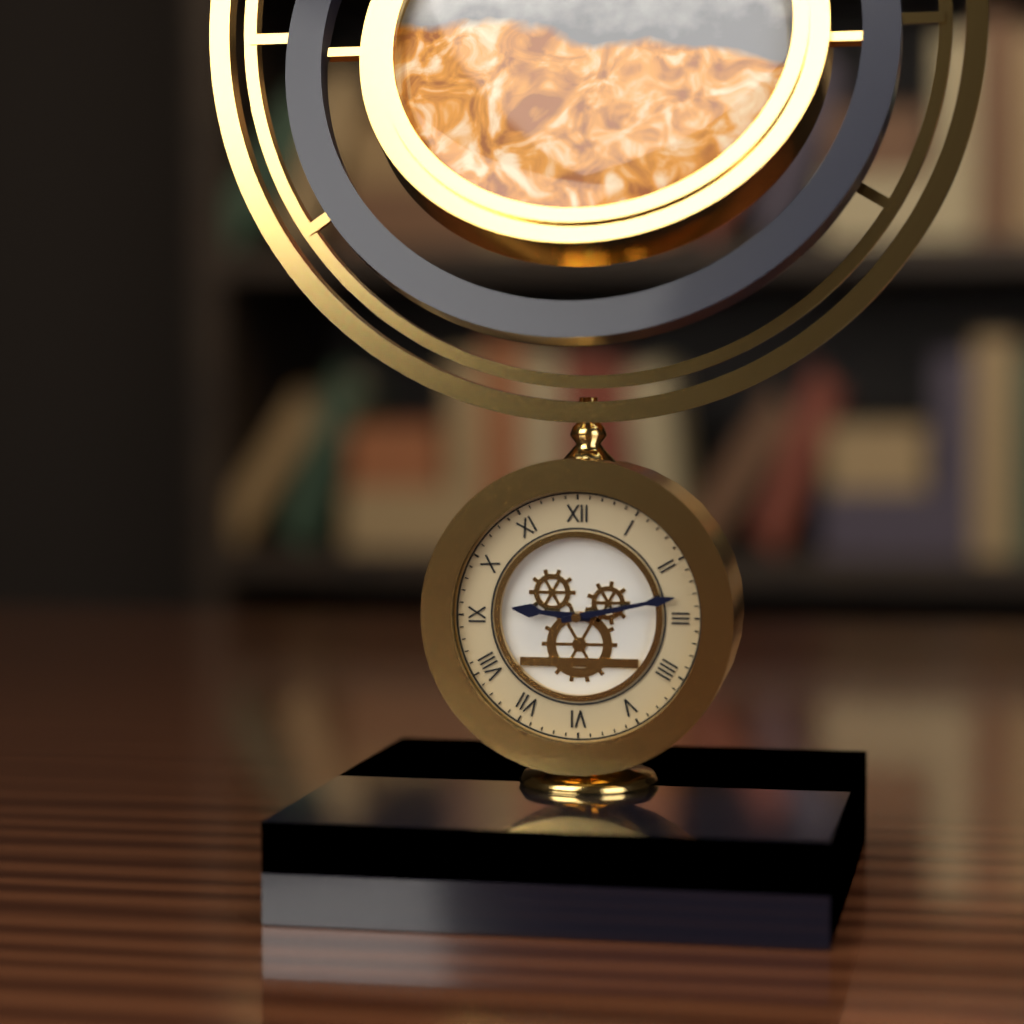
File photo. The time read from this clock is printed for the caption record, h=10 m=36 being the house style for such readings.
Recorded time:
h=9 m=13
